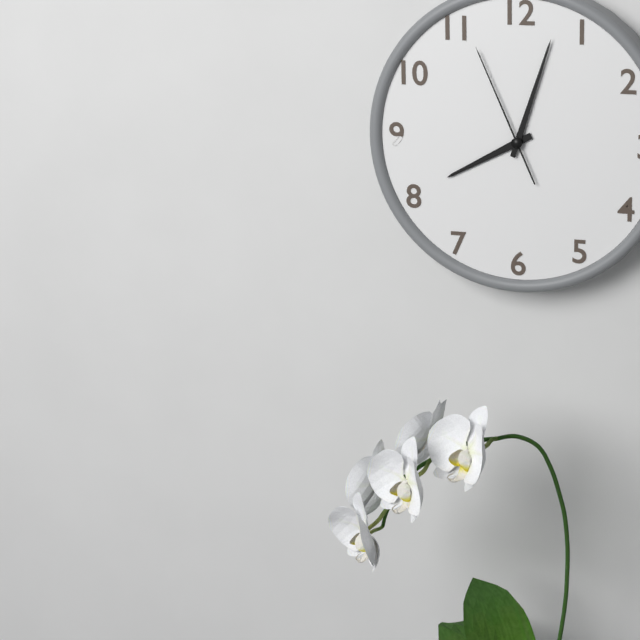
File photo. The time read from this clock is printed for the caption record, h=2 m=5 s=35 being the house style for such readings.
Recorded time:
h=8 m=3 s=56
